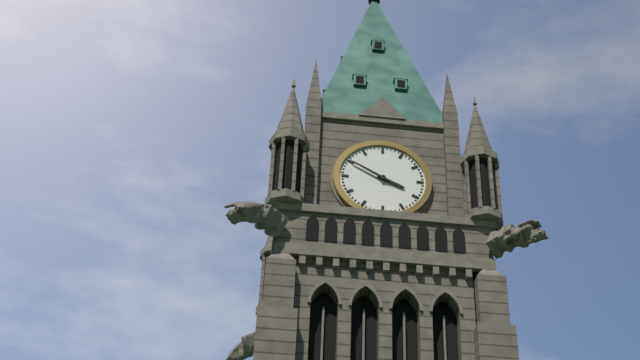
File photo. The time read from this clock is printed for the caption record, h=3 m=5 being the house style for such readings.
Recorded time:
h=3 m=50
